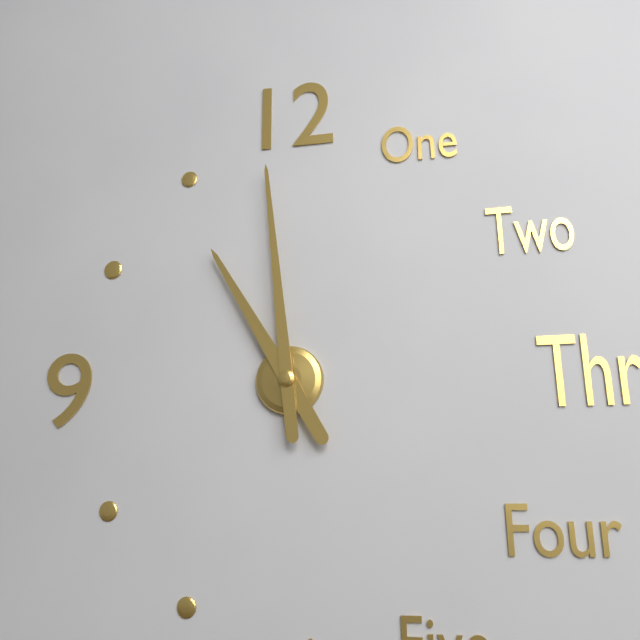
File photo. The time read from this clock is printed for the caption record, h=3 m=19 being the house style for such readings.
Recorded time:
h=10 m=59
